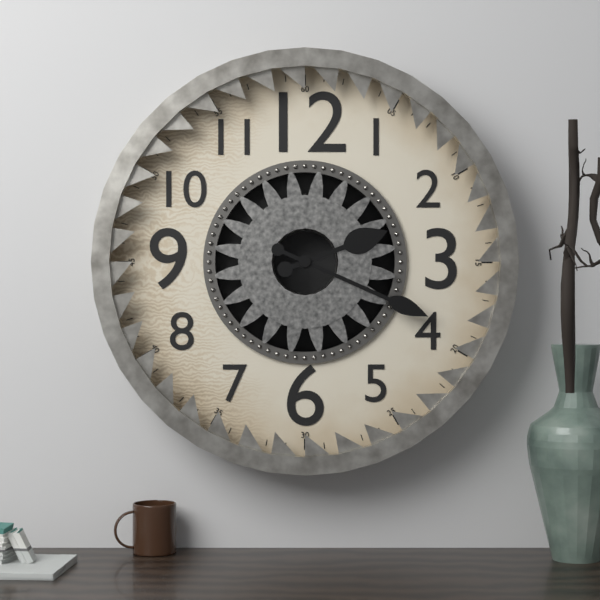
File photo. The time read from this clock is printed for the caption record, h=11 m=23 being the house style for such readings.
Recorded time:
h=2 m=19
